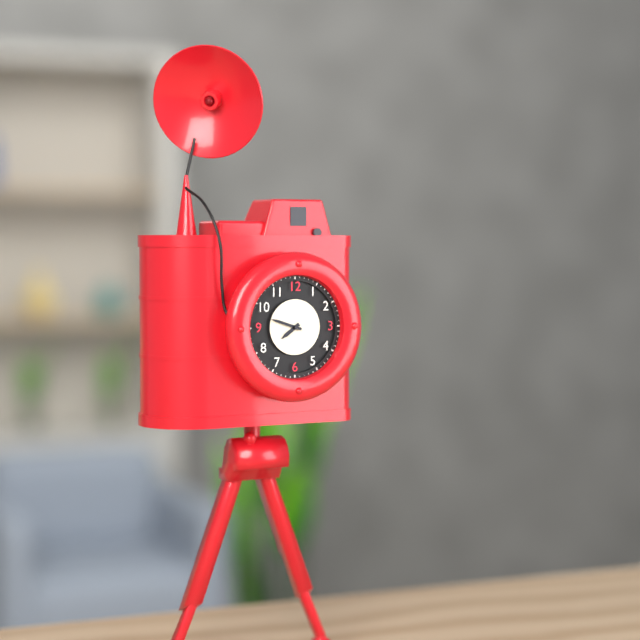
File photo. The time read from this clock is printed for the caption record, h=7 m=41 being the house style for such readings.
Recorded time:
h=7 m=48
